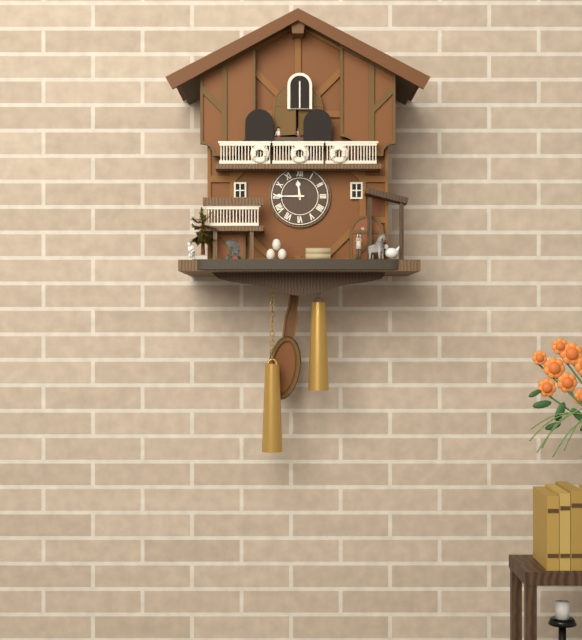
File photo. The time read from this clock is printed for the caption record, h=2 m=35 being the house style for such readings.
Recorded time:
h=11 m=45
